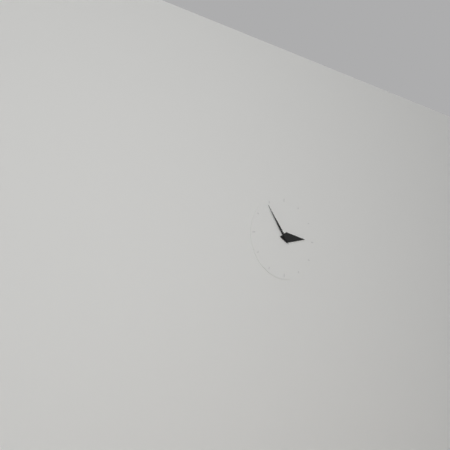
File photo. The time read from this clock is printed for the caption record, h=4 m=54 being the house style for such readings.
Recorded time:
h=2 m=54
